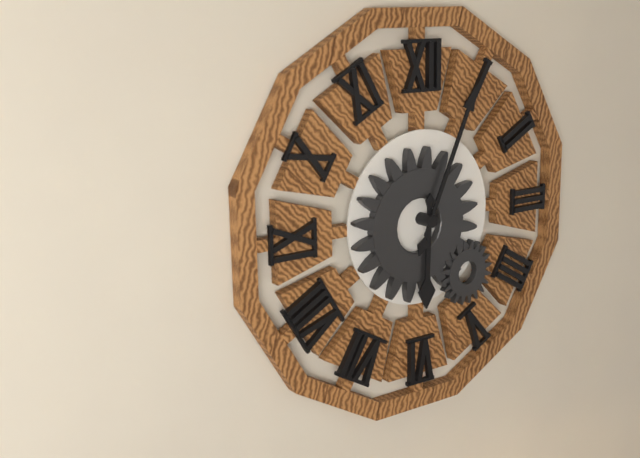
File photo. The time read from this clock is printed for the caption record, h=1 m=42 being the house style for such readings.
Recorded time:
h=6 m=4
